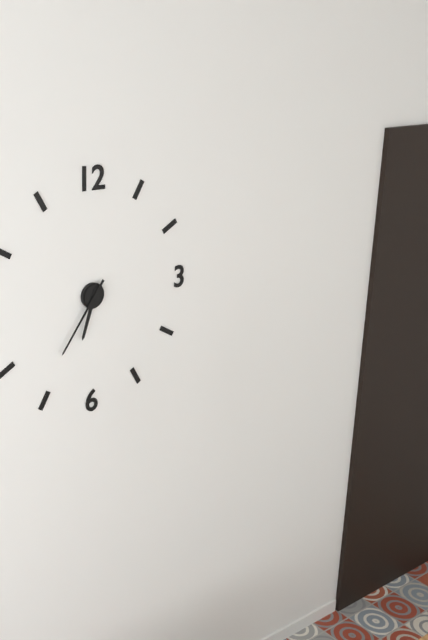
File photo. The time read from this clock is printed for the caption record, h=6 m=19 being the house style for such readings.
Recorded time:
h=6 m=36
